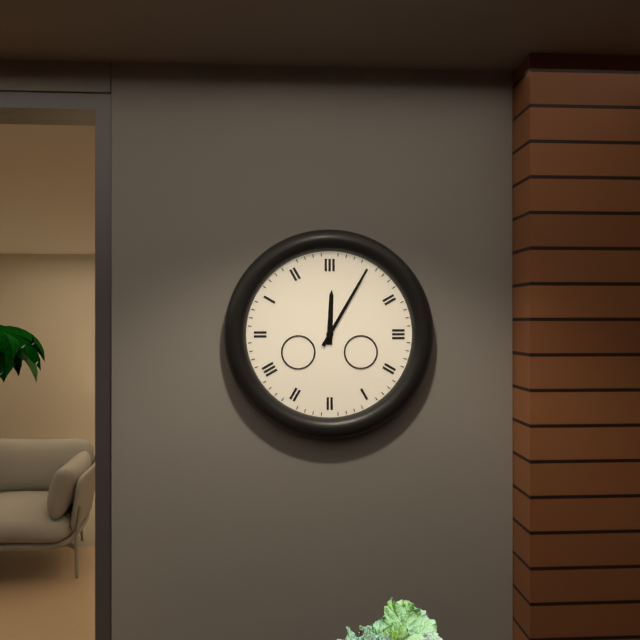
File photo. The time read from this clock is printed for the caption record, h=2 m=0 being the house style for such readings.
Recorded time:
h=12 m=5
